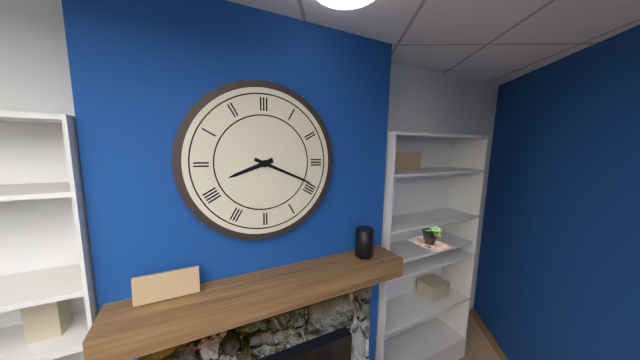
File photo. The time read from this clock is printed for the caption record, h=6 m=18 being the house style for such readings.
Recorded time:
h=8 m=19
